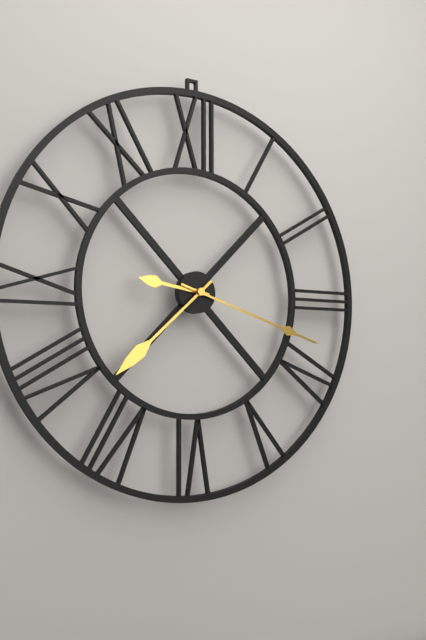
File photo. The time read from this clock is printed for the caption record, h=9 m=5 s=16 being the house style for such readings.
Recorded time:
h=9 m=18 s=38
